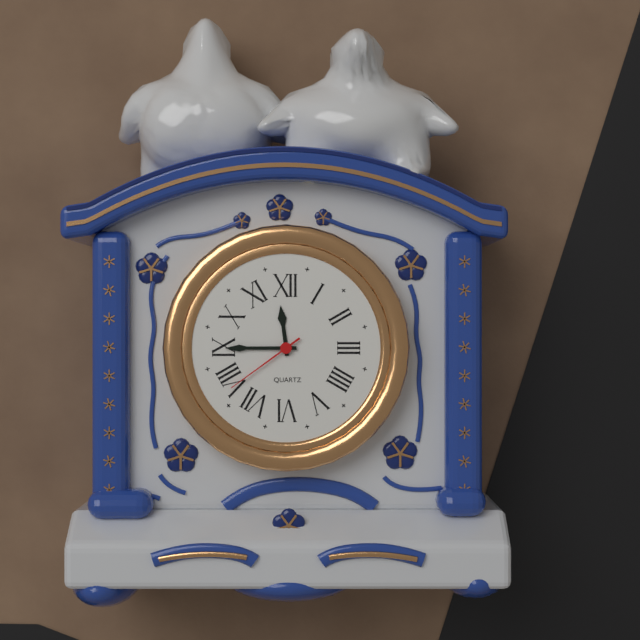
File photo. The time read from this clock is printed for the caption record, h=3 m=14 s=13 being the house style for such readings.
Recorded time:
h=11 m=45 s=39
